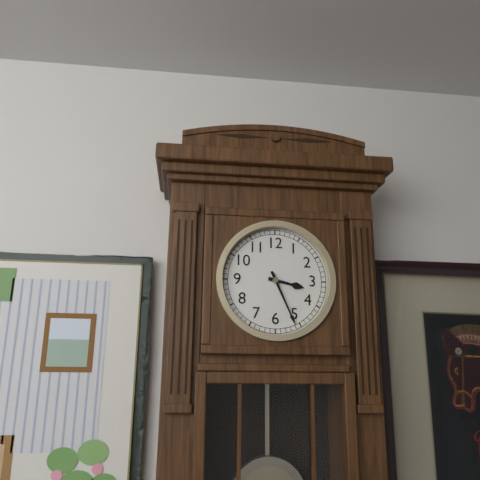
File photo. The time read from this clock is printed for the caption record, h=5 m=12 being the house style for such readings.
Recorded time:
h=3 m=26
